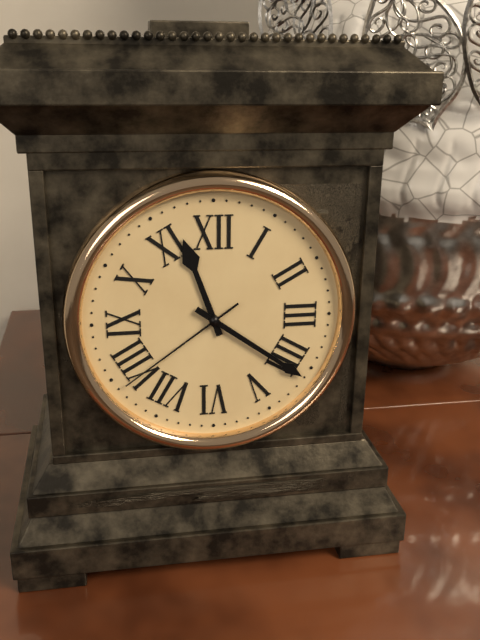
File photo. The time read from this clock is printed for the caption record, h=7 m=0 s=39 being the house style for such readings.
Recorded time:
h=11 m=21 s=39
